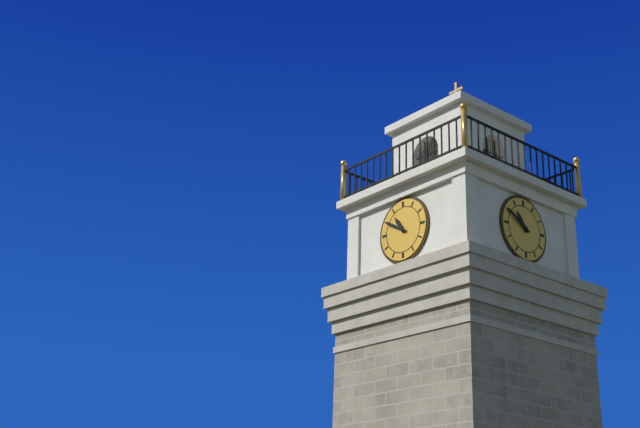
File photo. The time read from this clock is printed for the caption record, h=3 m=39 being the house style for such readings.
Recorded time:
h=10 m=50
